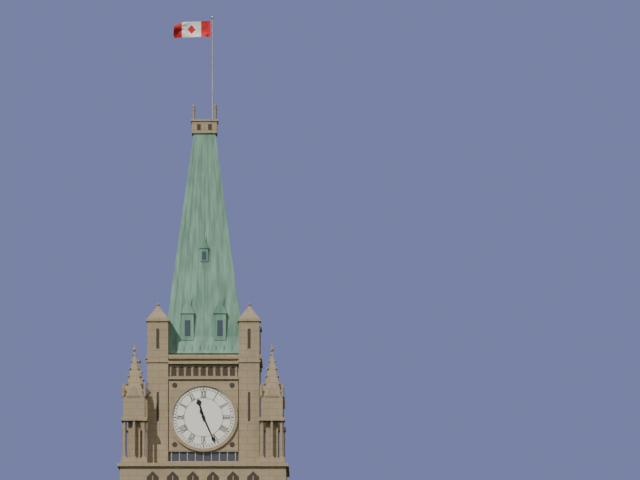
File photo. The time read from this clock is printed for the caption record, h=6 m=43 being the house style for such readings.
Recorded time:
h=11 m=26
